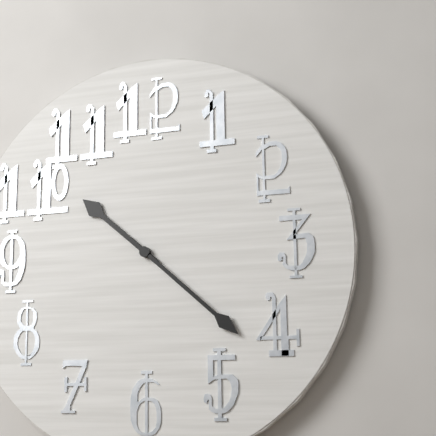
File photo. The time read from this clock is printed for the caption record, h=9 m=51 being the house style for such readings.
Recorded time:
h=10 m=22
